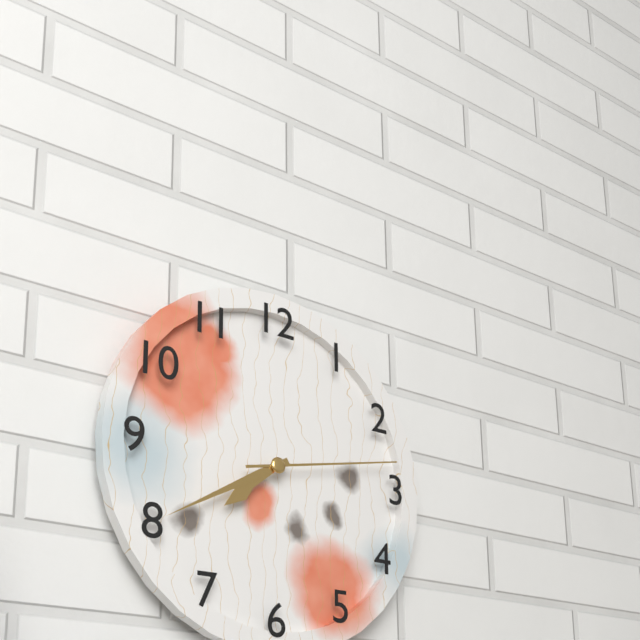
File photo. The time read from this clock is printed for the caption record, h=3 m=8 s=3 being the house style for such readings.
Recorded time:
h=7 m=40 s=13
